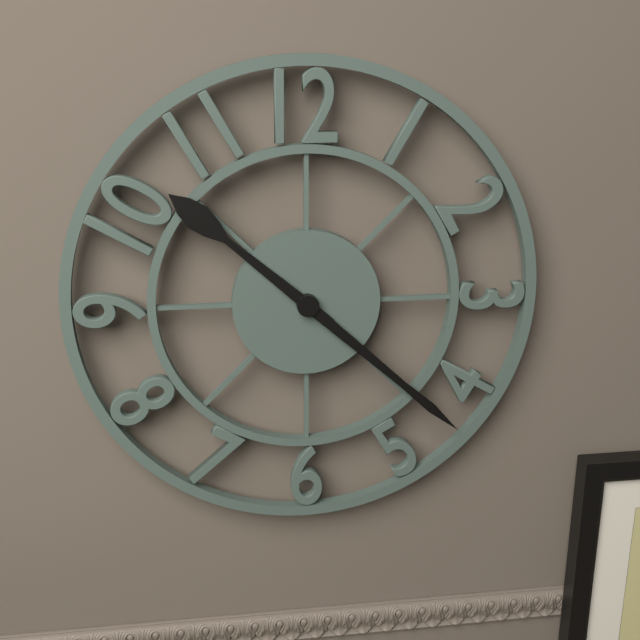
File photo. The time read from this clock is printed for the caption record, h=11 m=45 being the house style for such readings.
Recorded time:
h=10 m=22
